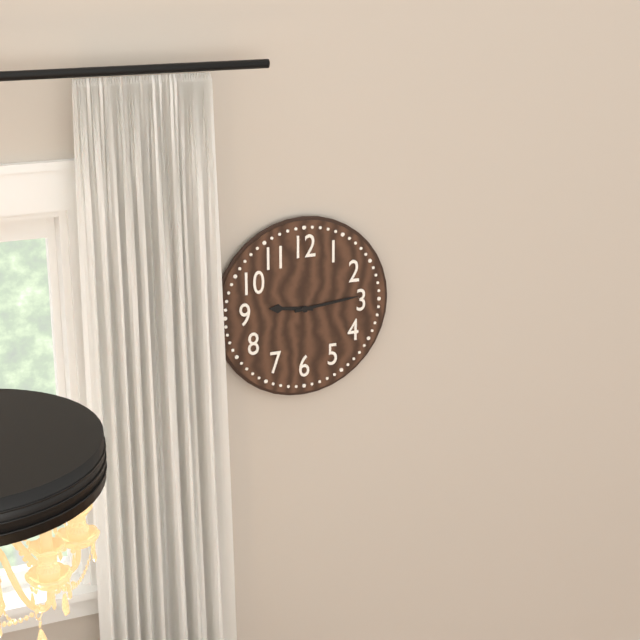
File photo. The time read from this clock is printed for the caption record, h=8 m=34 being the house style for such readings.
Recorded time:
h=9 m=14
